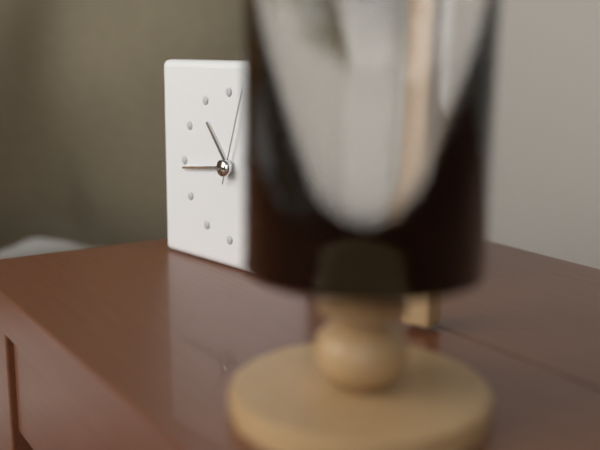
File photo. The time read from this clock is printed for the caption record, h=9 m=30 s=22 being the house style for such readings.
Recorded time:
h=10 m=44 s=3
